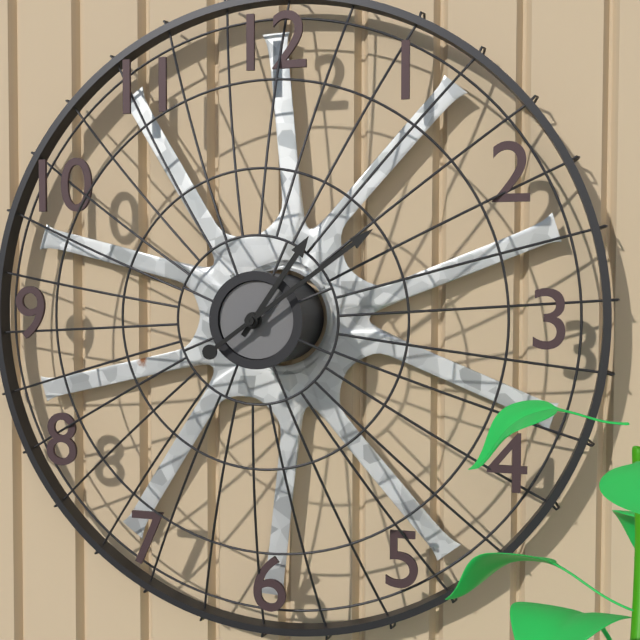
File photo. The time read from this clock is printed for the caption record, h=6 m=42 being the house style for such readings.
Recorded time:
h=1 m=9
